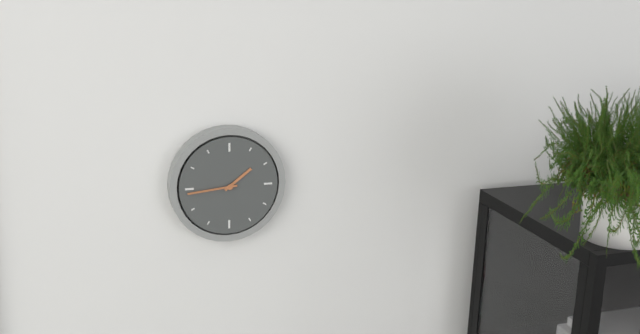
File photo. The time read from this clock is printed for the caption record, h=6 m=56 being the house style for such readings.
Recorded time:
h=1 m=44
